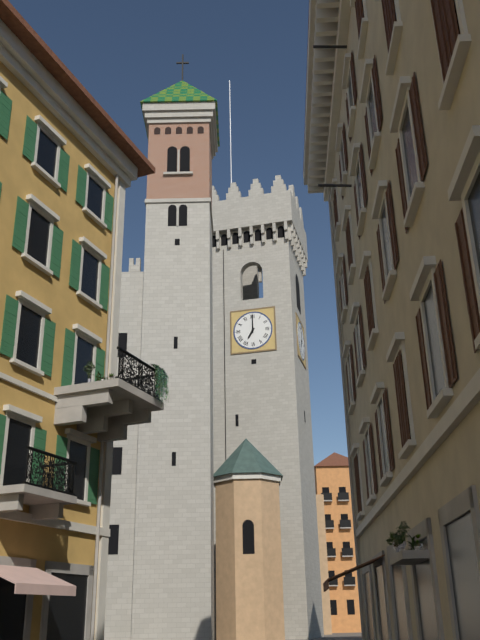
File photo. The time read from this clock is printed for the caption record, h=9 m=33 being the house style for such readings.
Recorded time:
h=7 m=0
